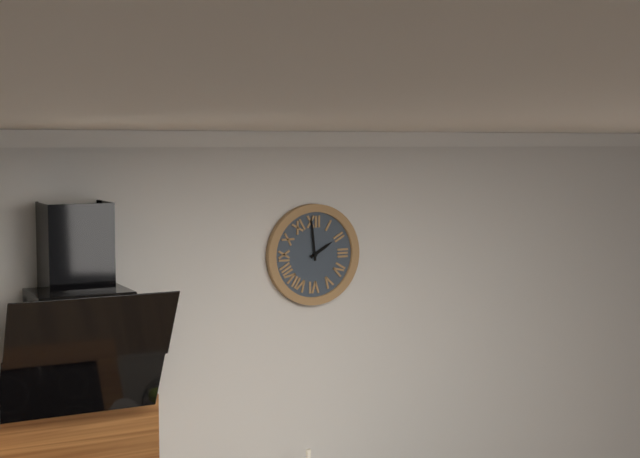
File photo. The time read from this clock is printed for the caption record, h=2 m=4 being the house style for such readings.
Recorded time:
h=1 m=59
